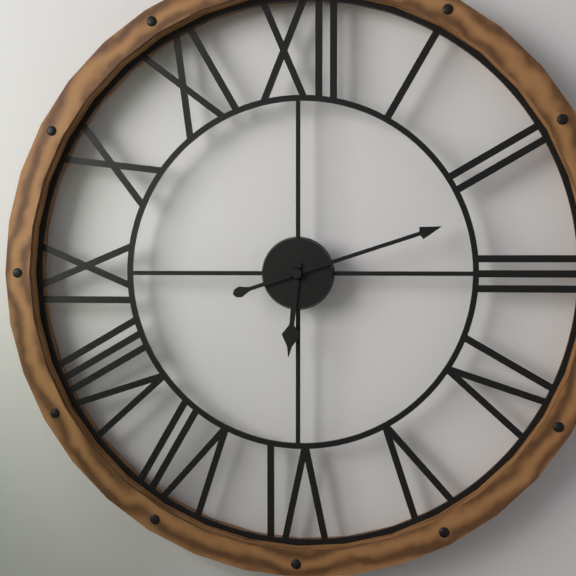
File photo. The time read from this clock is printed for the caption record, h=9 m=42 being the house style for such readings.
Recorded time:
h=6 m=12
